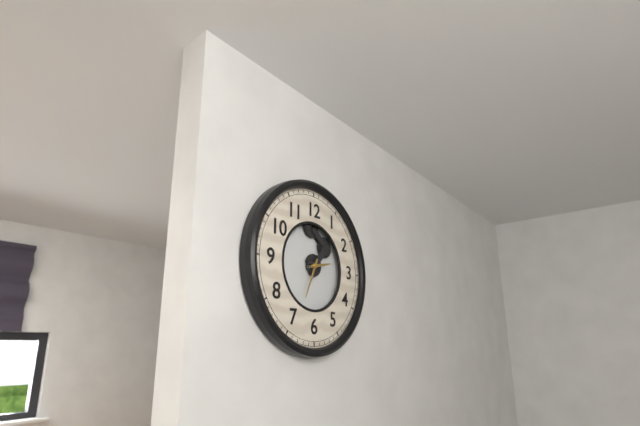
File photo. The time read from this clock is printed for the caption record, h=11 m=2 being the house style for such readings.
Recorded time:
h=2 m=34
